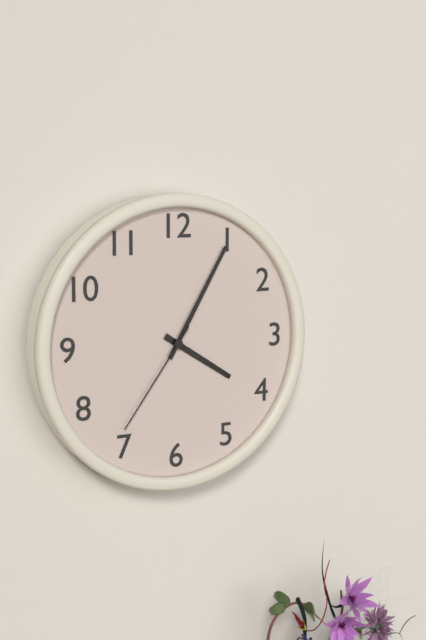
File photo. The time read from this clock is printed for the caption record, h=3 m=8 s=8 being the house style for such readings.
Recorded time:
h=4 m=5 s=36
